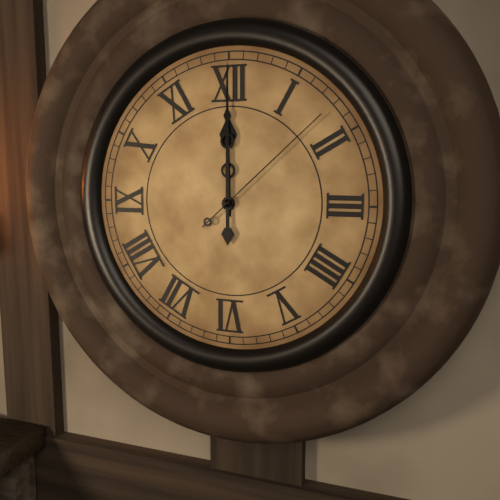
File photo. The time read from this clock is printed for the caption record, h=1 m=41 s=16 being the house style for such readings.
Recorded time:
h=12 m=0 s=8
